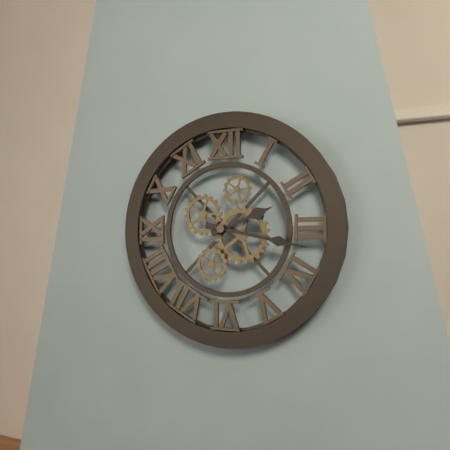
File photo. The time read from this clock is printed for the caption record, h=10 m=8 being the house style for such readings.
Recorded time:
h=2 m=17
